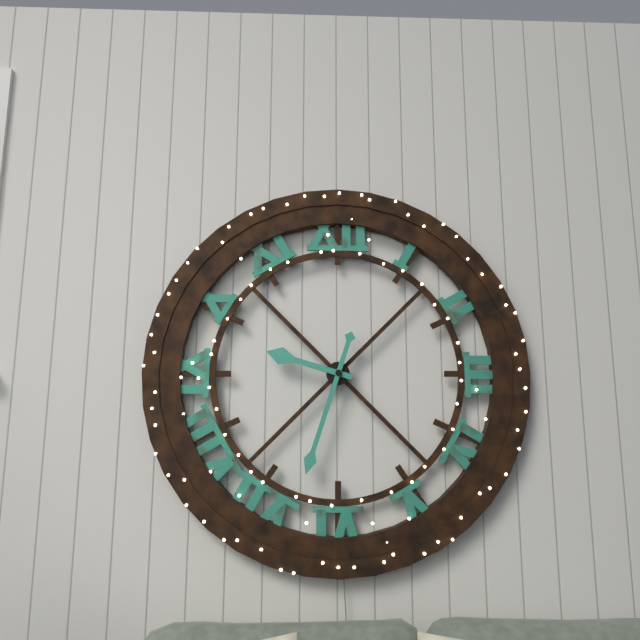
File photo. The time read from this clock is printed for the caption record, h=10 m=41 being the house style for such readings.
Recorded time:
h=9 m=33
